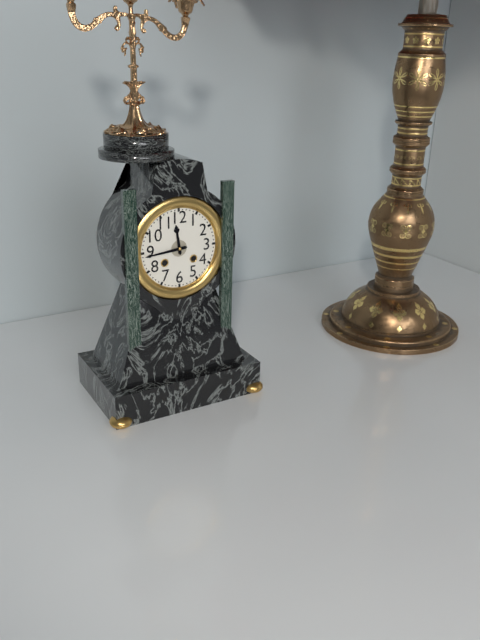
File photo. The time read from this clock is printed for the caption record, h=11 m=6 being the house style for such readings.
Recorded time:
h=11 m=44
